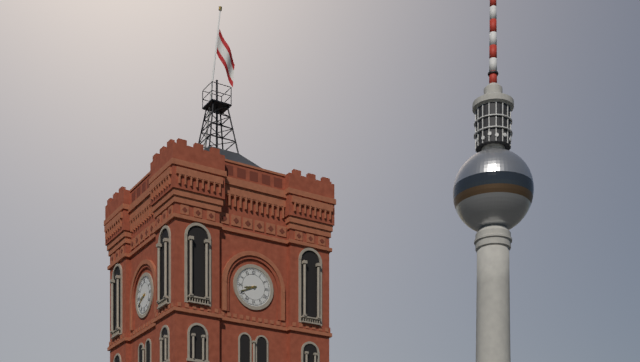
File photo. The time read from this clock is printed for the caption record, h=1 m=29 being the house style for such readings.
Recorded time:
h=8 m=41
